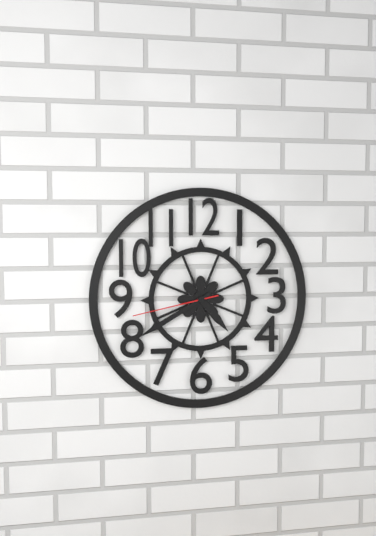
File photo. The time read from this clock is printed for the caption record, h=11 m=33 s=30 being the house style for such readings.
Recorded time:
h=4 m=40 s=43
